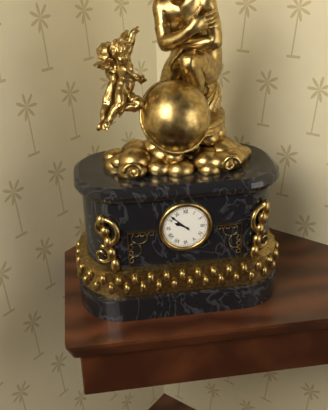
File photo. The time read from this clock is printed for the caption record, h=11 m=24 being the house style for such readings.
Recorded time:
h=9 m=52
